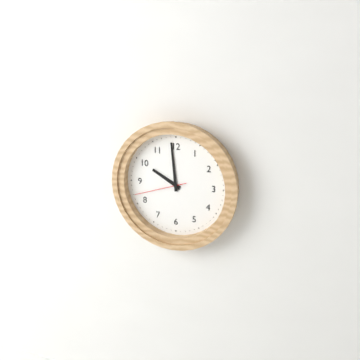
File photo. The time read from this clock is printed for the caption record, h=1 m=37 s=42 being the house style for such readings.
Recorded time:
h=9 m=59 s=42
